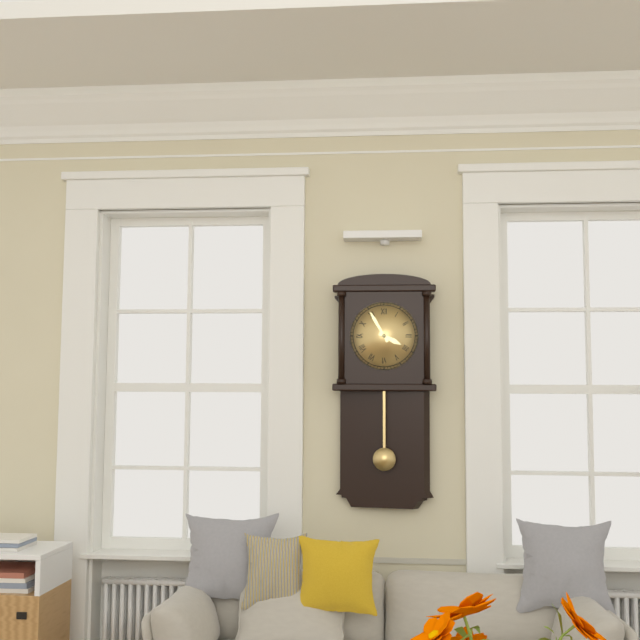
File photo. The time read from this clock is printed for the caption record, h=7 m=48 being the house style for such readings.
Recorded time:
h=3 m=55
